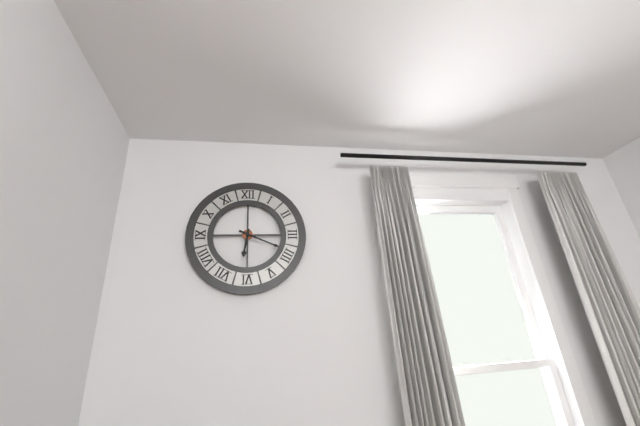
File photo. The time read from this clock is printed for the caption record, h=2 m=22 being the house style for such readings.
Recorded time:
h=6 m=19
